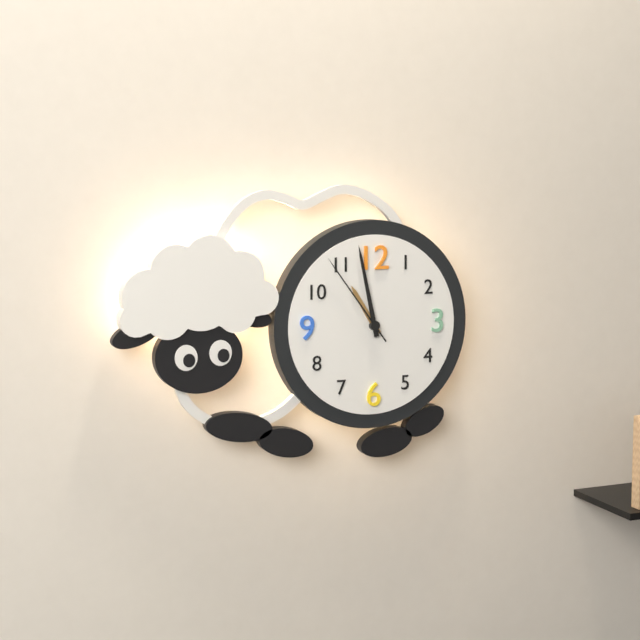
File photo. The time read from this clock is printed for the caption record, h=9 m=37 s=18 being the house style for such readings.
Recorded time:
h=10 m=58 s=54
